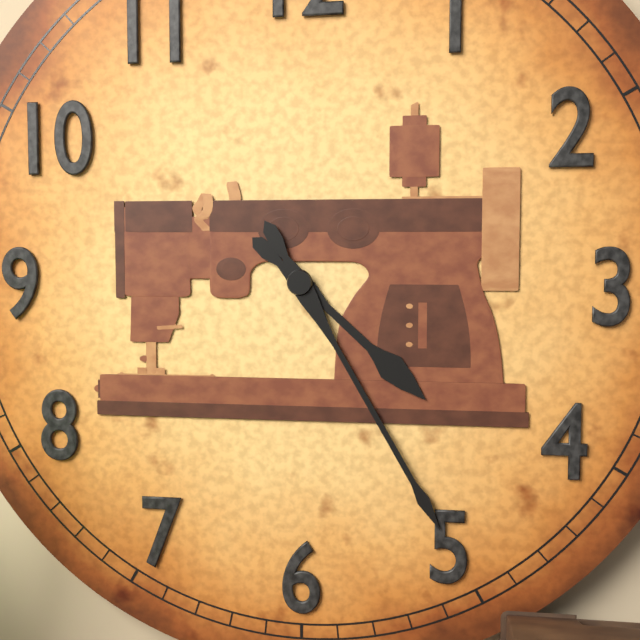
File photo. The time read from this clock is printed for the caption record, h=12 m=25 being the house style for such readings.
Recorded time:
h=4 m=25
